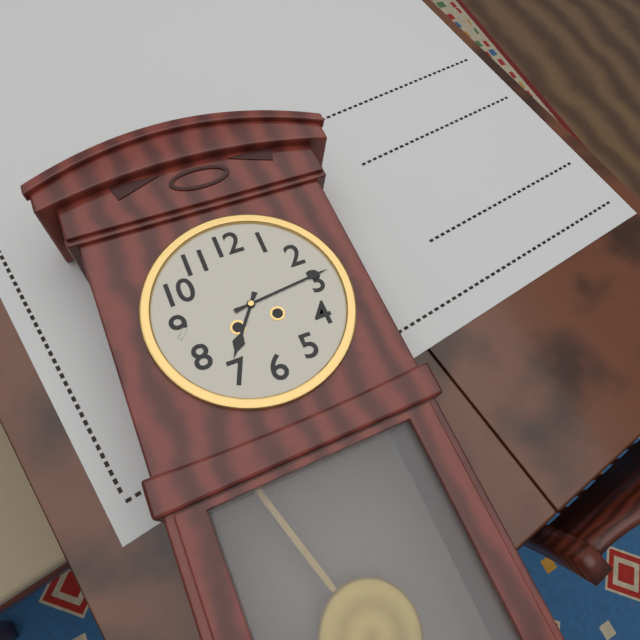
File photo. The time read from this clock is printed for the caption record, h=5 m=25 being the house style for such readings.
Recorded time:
h=7 m=14
